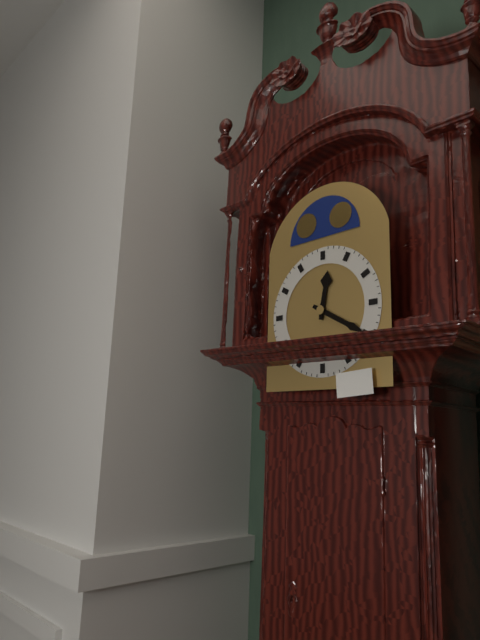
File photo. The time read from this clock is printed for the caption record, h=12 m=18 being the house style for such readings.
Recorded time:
h=12 m=20
